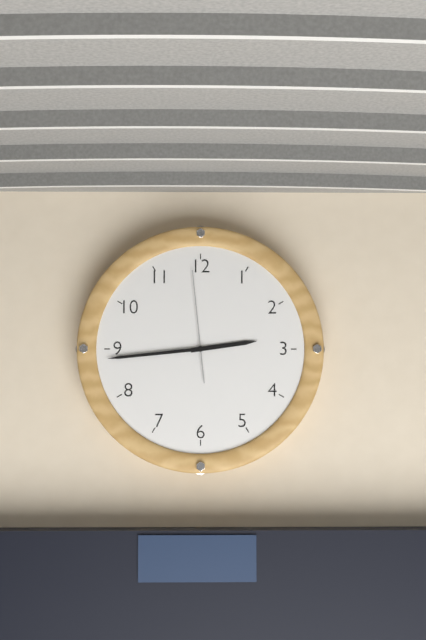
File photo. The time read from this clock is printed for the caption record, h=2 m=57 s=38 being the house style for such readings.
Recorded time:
h=2 m=44 s=59
